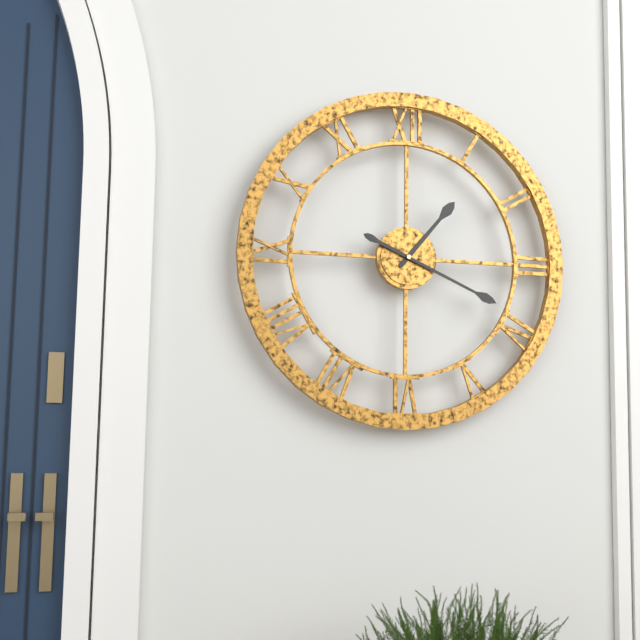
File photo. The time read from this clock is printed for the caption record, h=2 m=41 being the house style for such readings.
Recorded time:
h=1 m=19
